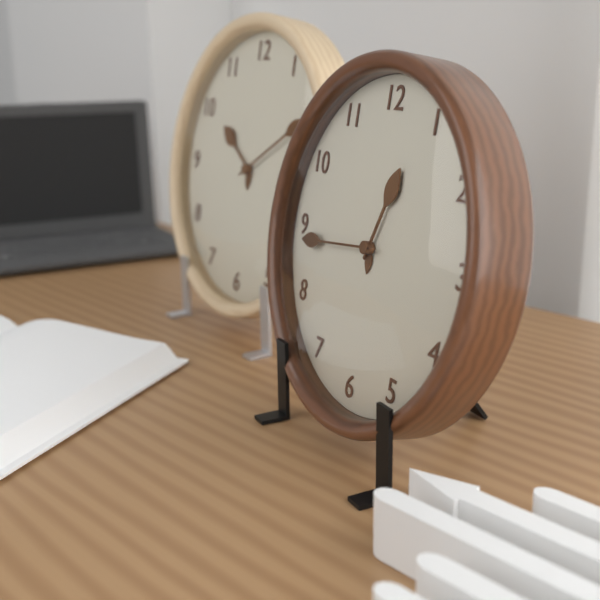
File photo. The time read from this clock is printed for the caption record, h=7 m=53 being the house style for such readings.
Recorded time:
h=12 m=44
